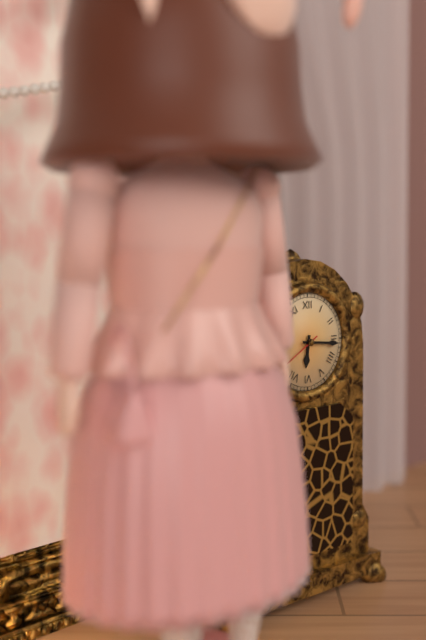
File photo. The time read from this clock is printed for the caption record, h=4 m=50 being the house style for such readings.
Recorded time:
h=6 m=16
